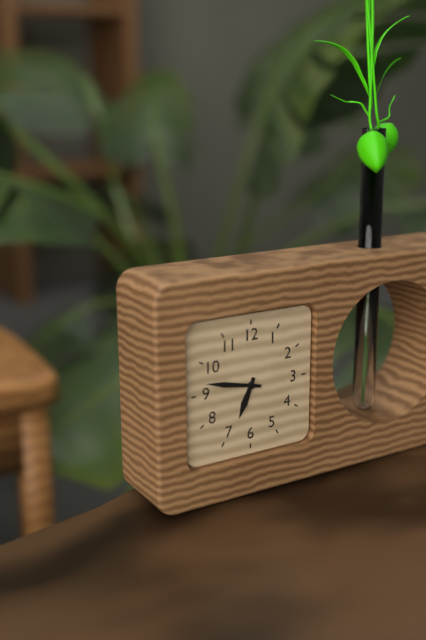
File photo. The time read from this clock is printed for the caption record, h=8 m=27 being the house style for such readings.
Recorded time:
h=6 m=47
